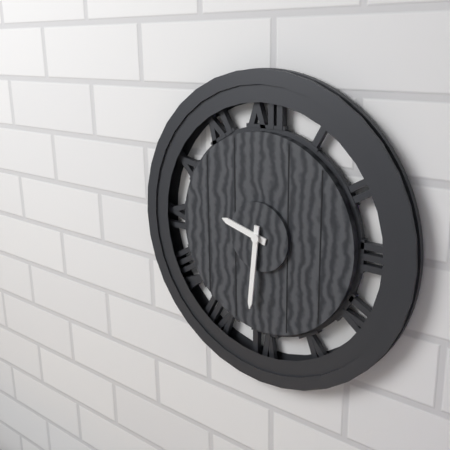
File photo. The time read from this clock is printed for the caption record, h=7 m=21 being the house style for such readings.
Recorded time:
h=9 m=31
